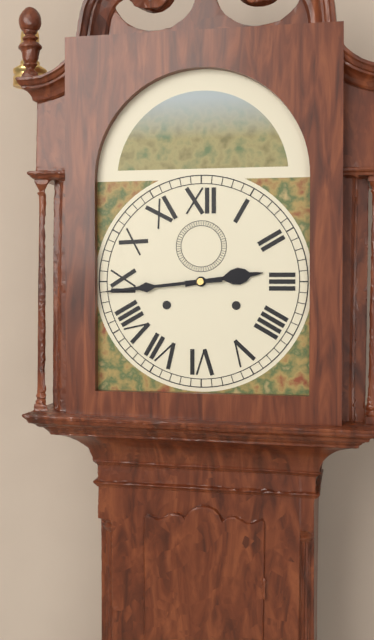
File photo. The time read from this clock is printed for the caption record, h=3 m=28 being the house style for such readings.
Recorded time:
h=2 m=44
